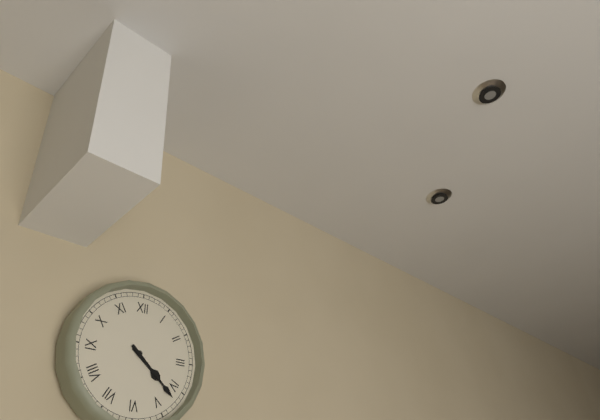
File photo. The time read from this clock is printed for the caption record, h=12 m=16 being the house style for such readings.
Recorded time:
h=4 m=22
